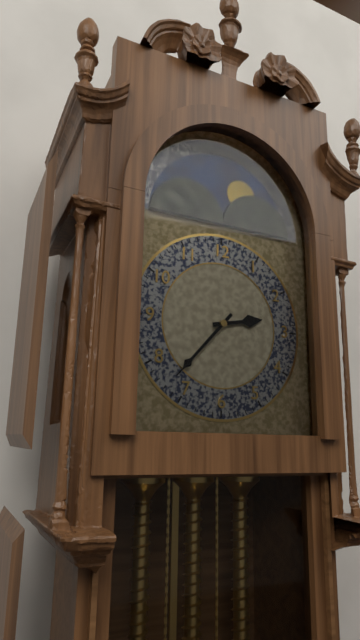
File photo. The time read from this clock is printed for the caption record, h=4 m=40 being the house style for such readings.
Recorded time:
h=2 m=37
